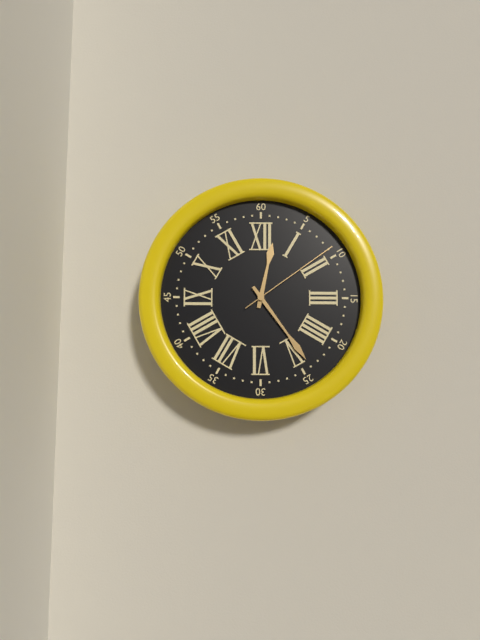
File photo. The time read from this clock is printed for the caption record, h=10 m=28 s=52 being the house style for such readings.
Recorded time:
h=12 m=24 s=9
